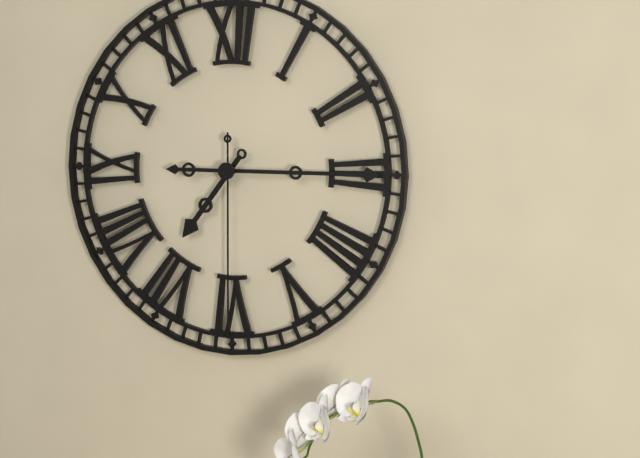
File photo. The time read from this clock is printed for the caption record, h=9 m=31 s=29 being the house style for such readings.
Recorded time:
h=7 m=15 s=30
